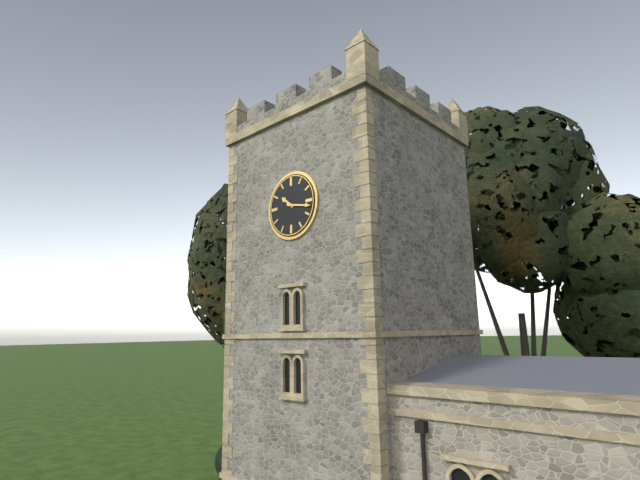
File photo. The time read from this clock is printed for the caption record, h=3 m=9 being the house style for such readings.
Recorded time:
h=10 m=17
